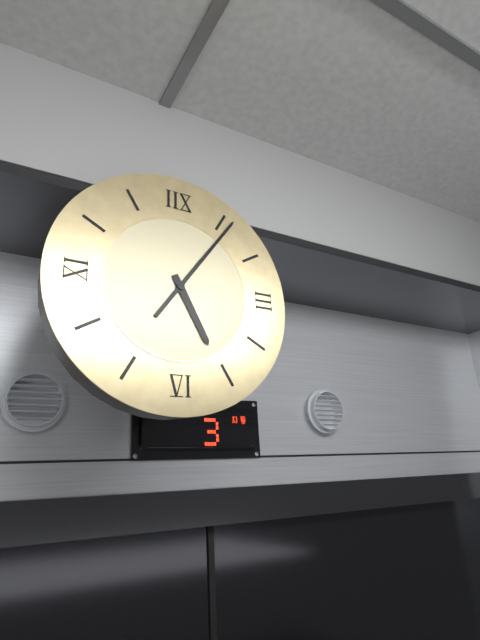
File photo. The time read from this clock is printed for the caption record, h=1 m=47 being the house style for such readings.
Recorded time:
h=5 m=6
